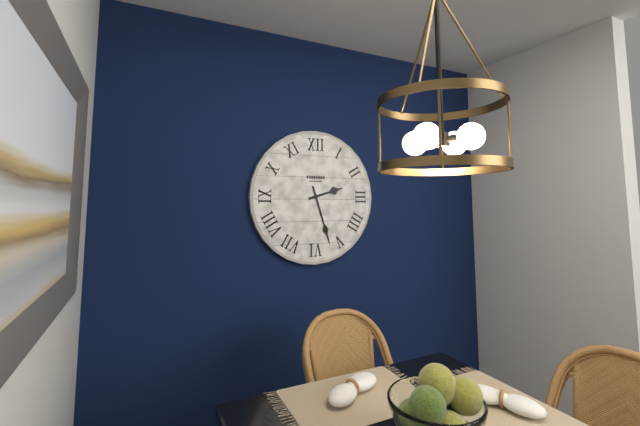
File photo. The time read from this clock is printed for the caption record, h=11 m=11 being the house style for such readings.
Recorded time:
h=2 m=27
